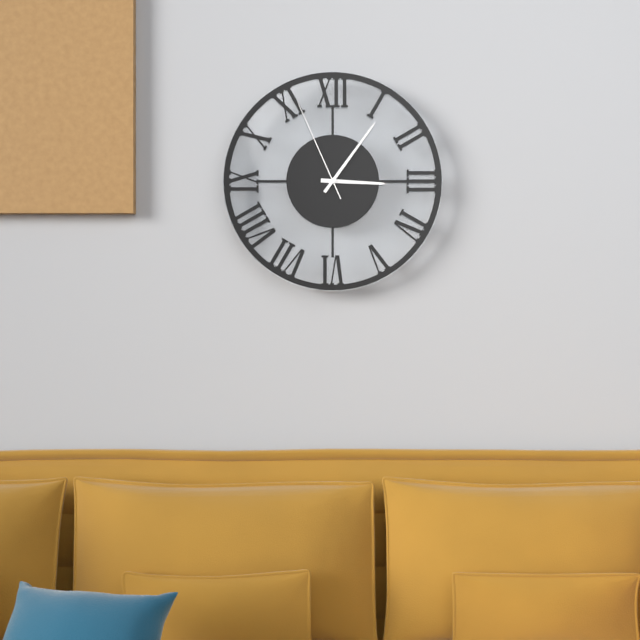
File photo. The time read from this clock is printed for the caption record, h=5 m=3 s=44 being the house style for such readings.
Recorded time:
h=3 m=6 s=56
